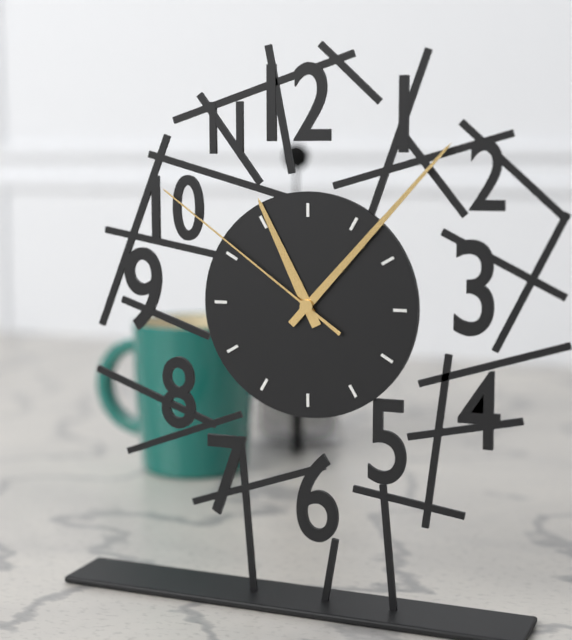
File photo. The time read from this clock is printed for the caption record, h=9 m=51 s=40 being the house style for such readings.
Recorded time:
h=11 m=7 s=51
